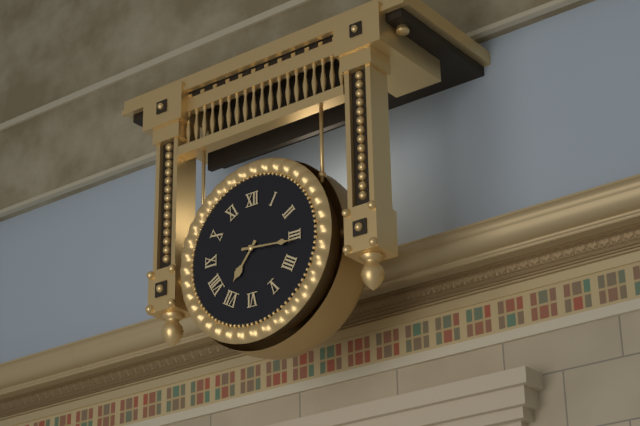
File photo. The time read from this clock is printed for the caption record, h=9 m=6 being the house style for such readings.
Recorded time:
h=7 m=16
